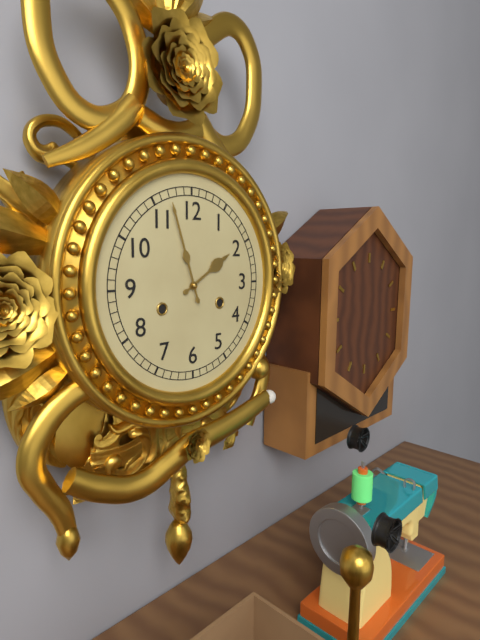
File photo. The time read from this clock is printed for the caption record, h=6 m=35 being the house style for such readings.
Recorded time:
h=1 m=57
